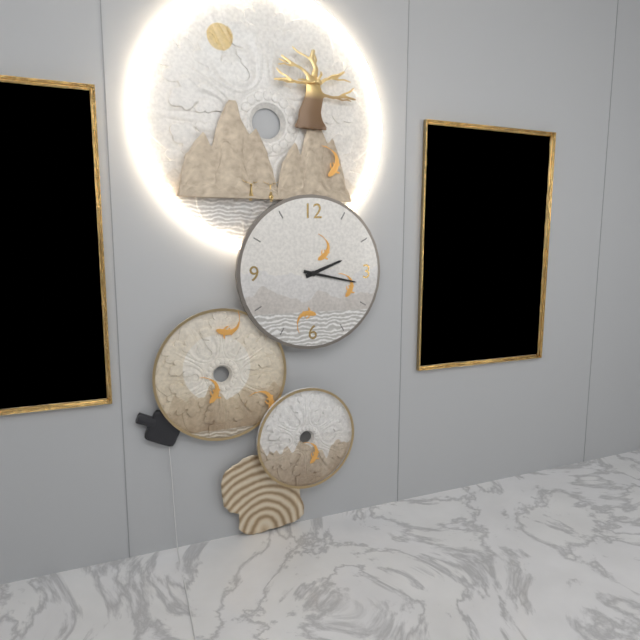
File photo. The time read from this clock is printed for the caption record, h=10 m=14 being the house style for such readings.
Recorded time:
h=2 m=17
